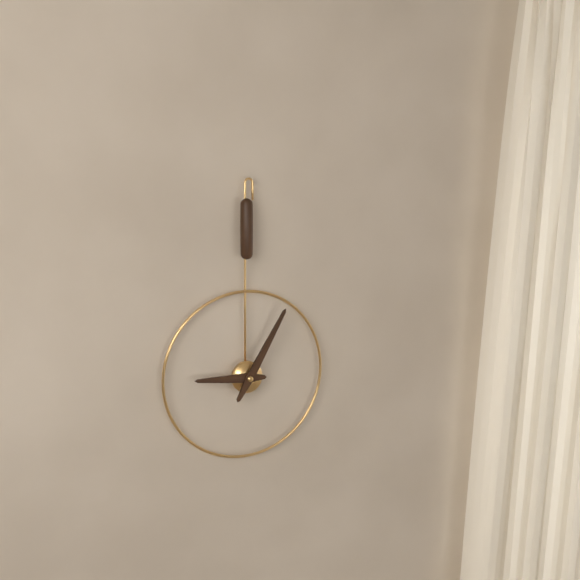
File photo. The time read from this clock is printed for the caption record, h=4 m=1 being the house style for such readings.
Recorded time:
h=9 m=5
